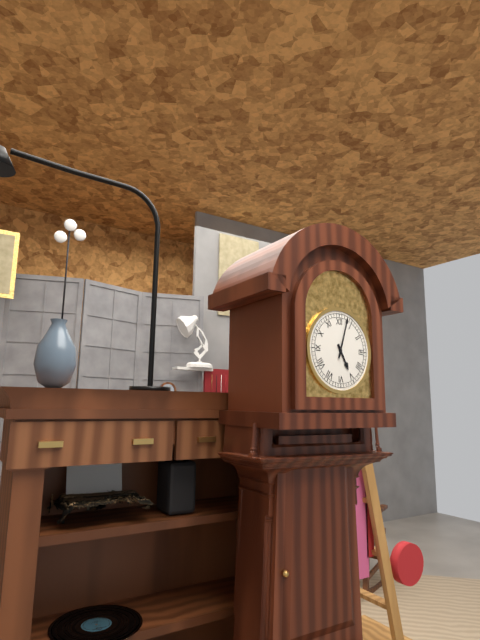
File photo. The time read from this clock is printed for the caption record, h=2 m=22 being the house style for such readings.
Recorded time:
h=5 m=3
